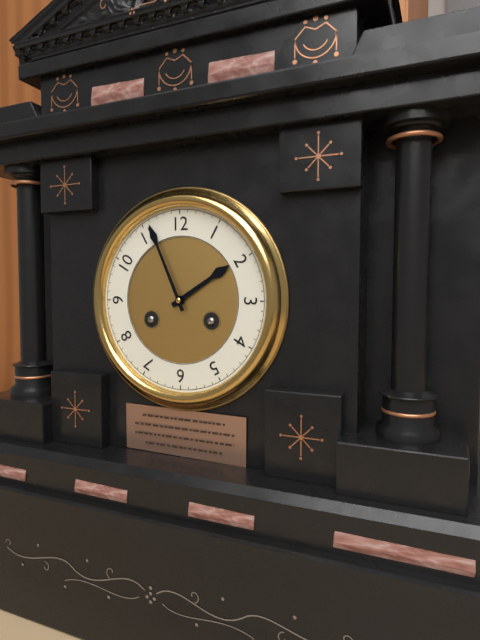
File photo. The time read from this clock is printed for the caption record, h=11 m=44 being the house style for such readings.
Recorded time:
h=1 m=56
